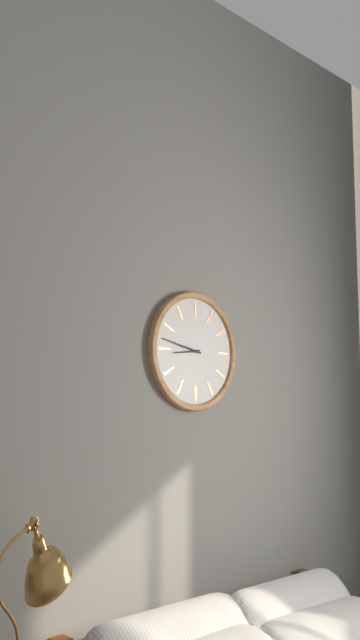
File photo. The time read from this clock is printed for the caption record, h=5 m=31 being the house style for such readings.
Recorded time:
h=8 m=47
